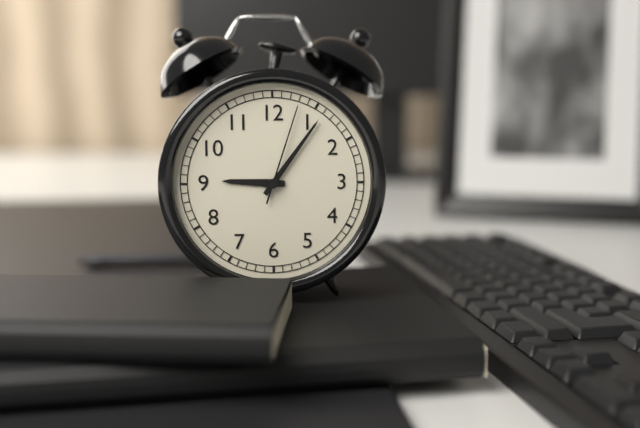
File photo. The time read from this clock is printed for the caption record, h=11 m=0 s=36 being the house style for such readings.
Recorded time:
h=9 m=6 s=3
